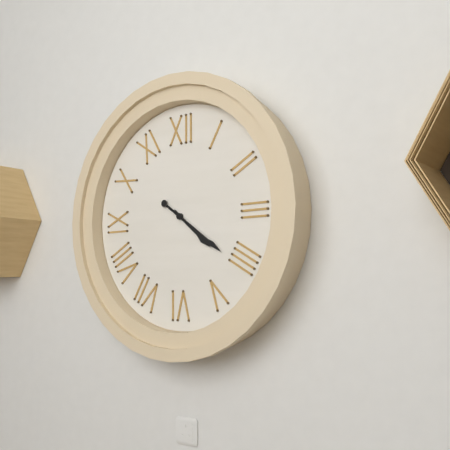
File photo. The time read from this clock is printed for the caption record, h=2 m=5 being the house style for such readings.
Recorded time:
h=4 m=21
